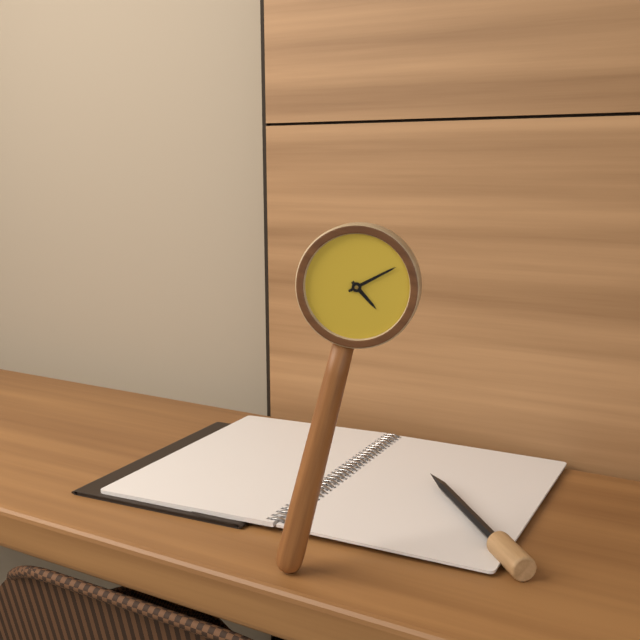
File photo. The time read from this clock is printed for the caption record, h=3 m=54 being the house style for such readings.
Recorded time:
h=4 m=8
